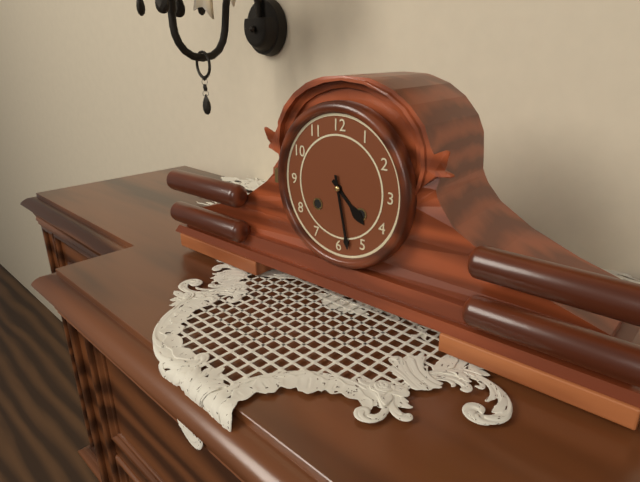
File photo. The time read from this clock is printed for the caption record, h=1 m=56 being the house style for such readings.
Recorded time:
h=4 m=28
